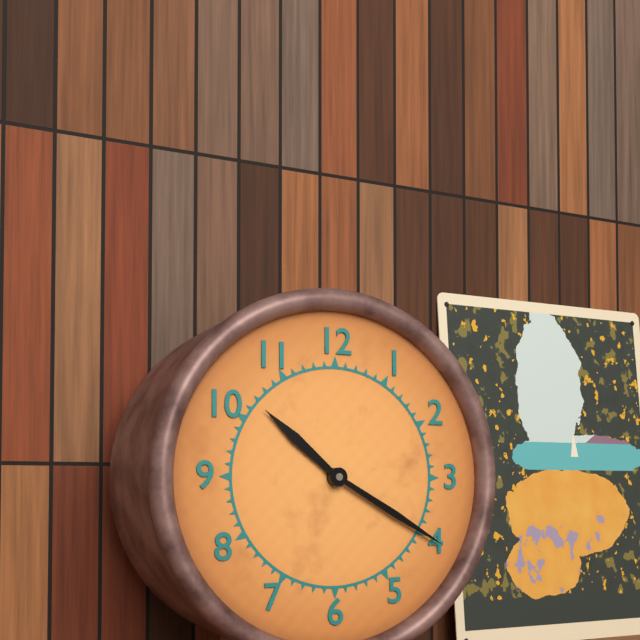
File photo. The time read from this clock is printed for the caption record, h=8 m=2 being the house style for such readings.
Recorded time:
h=10 m=20
